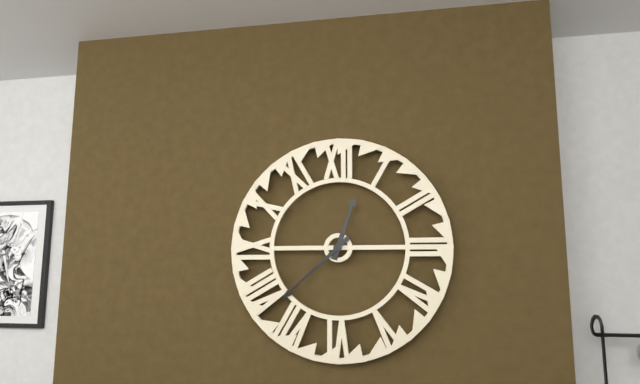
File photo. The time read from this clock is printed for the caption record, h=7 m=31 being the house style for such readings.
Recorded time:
h=12 m=38
